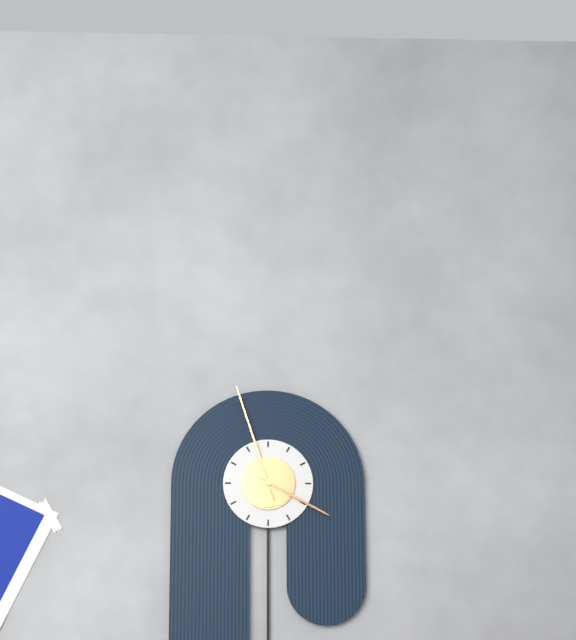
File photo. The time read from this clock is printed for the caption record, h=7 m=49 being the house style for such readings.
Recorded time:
h=3 m=57
